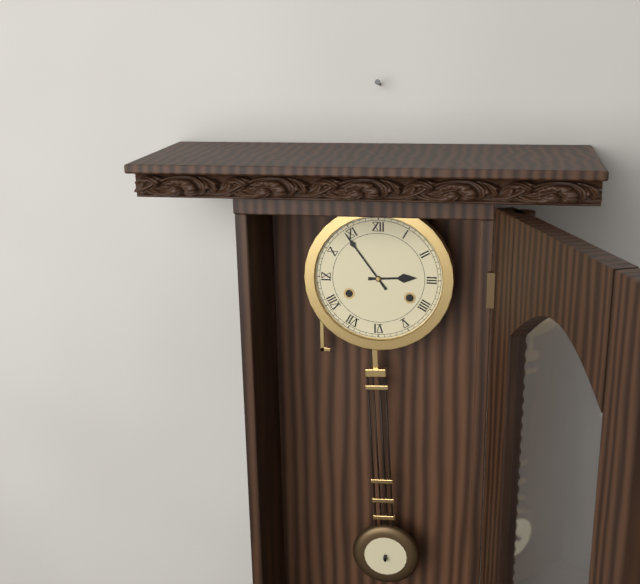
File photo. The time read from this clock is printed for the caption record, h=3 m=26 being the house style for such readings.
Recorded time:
h=2 m=54
